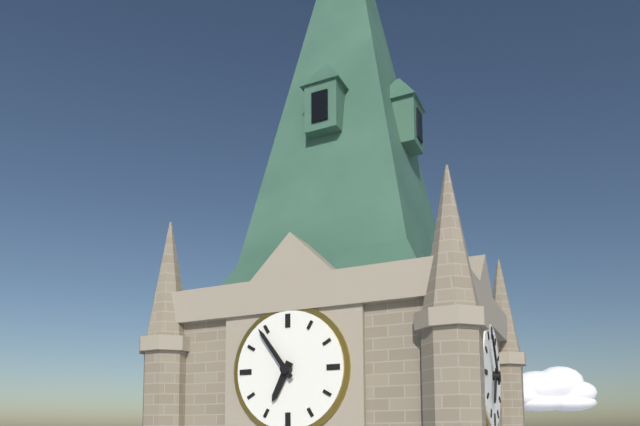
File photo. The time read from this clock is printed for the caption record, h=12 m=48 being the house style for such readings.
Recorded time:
h=6 m=54
